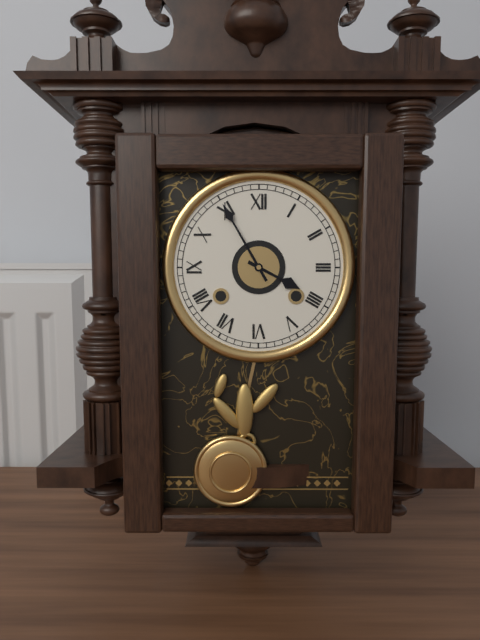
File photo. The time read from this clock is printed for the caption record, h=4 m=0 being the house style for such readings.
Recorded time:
h=3 m=55
